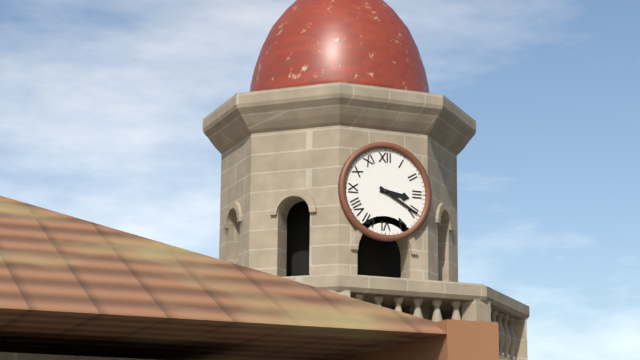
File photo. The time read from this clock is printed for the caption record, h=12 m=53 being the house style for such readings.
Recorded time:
h=3 m=20
